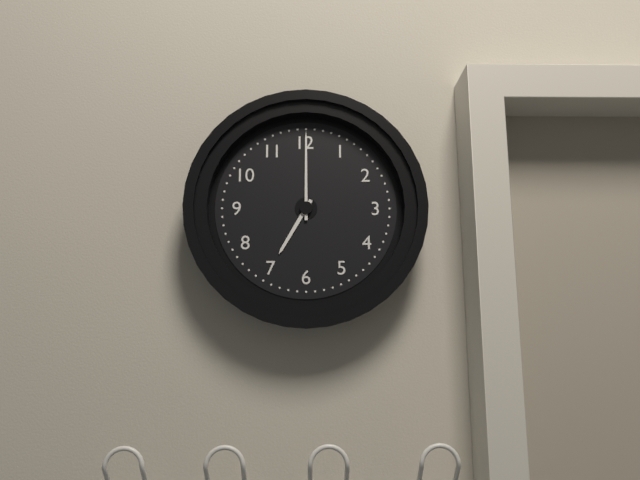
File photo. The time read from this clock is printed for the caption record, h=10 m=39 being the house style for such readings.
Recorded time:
h=7 m=0
